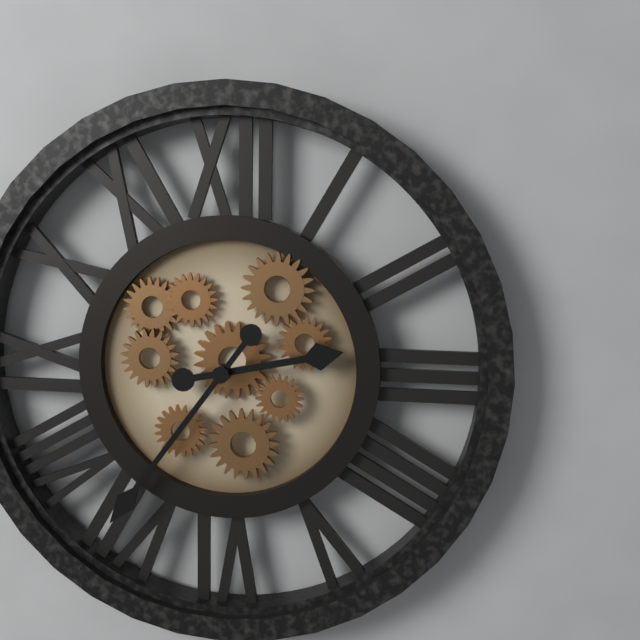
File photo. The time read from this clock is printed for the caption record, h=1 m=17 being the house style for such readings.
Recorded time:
h=2 m=36
